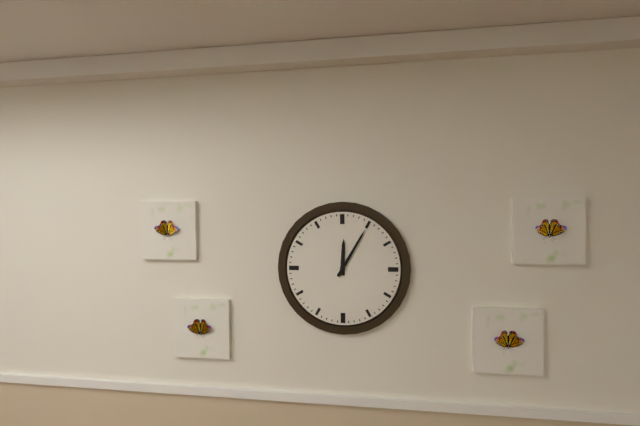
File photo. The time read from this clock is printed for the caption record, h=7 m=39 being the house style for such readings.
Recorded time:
h=12 m=5
